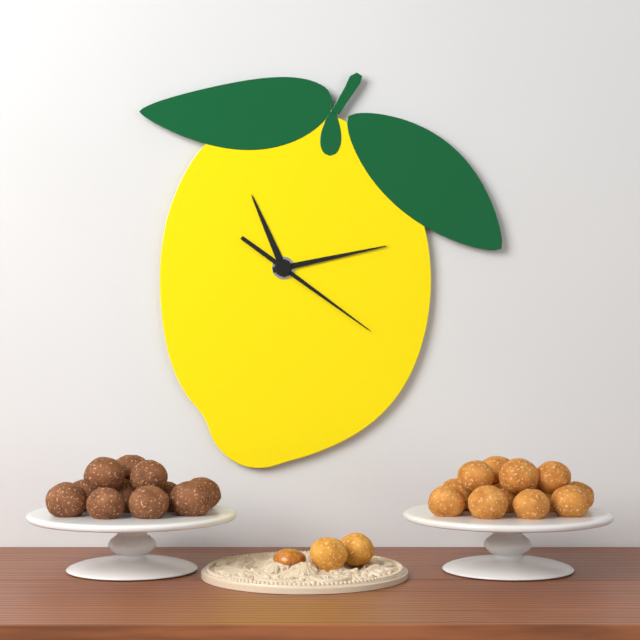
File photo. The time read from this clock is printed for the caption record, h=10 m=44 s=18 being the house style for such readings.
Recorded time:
h=11 m=13 s=21
